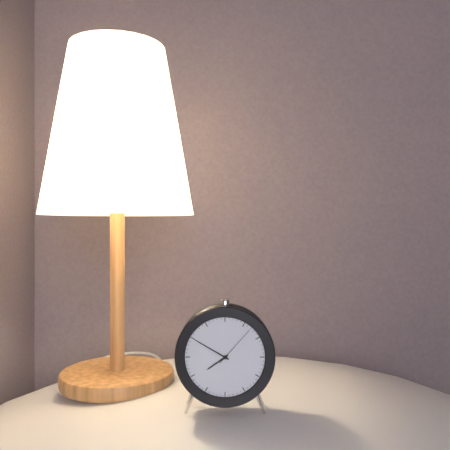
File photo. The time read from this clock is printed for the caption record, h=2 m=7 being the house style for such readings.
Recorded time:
h=7 m=50
